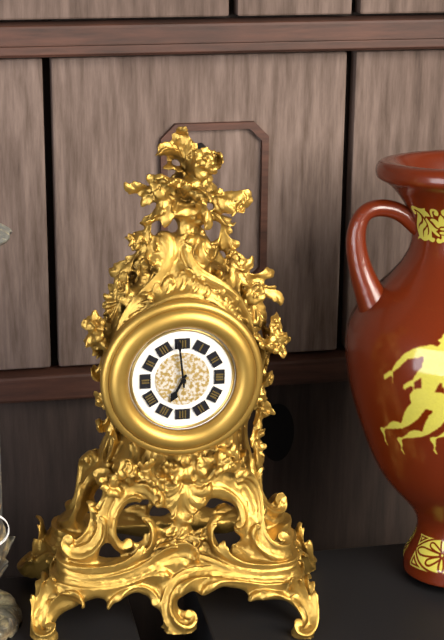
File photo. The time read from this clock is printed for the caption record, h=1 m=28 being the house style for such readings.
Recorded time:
h=6 m=59
